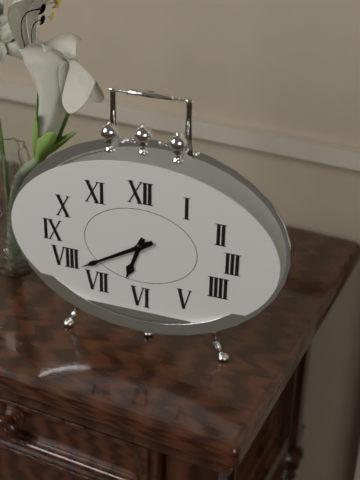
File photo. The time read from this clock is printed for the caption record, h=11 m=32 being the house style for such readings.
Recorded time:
h=6 m=40
